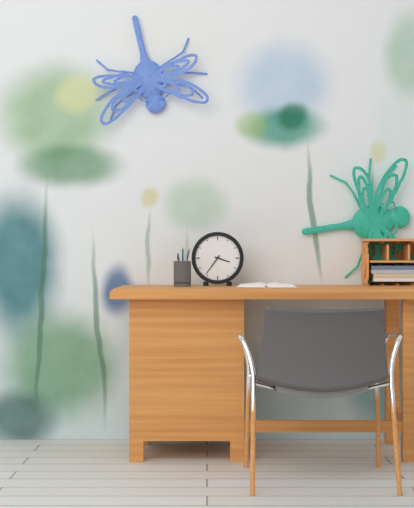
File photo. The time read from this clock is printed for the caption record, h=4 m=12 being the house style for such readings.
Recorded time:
h=3 m=36
